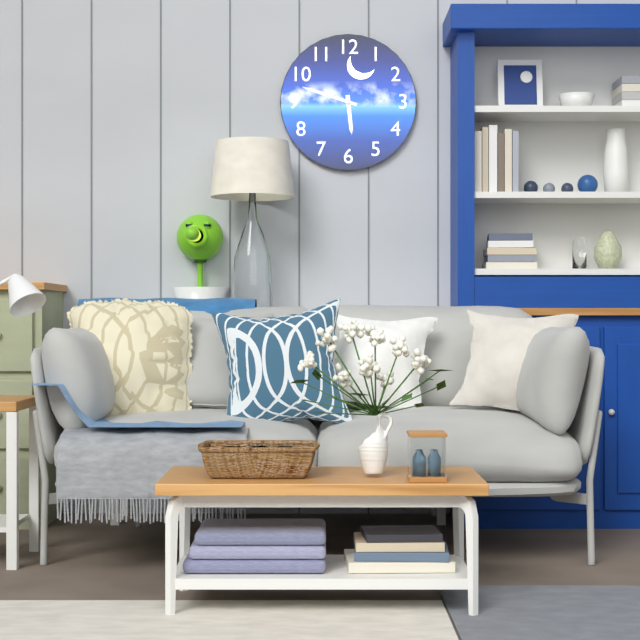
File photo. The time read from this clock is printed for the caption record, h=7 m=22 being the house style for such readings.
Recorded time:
h=5 m=48
